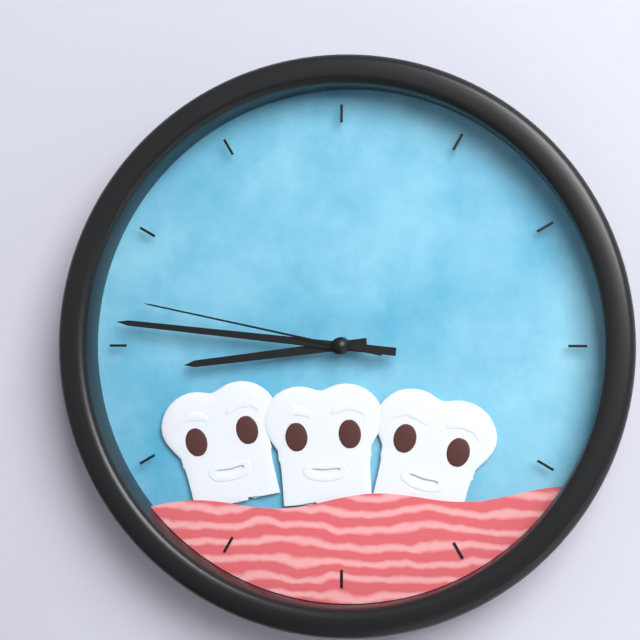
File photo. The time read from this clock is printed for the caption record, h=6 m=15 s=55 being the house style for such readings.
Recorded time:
h=8 m=46 s=47
